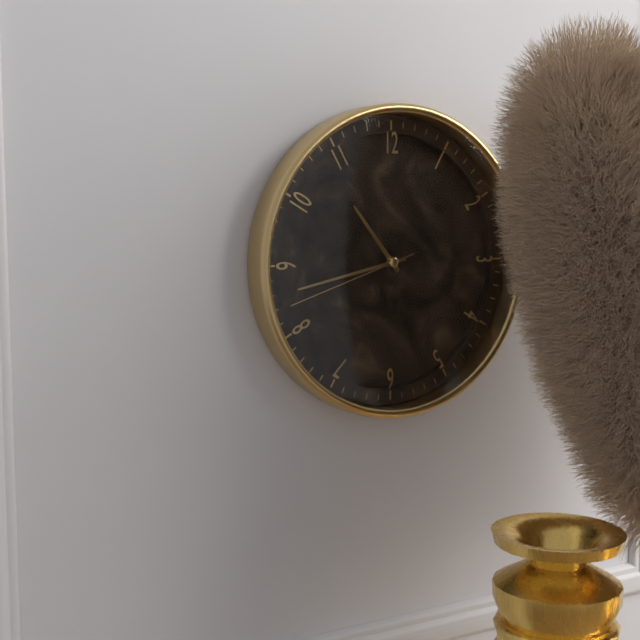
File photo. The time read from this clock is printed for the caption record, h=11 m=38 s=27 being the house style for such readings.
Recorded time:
h=10 m=43 s=42
